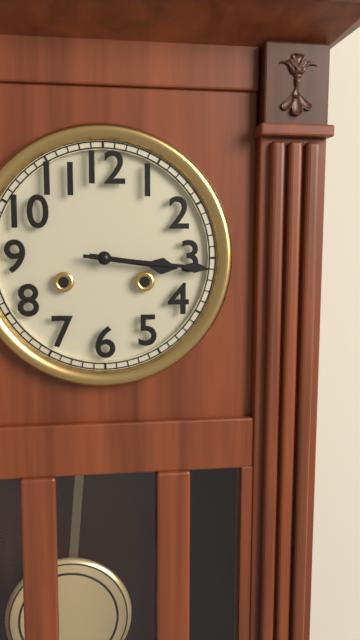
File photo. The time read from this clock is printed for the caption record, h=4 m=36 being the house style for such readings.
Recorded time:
h=3 m=16
